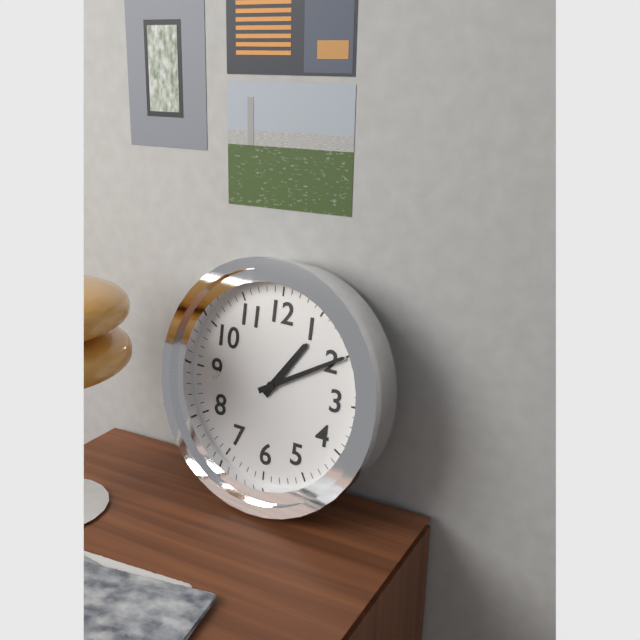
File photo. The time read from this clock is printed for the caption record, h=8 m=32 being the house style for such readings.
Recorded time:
h=1 m=10
